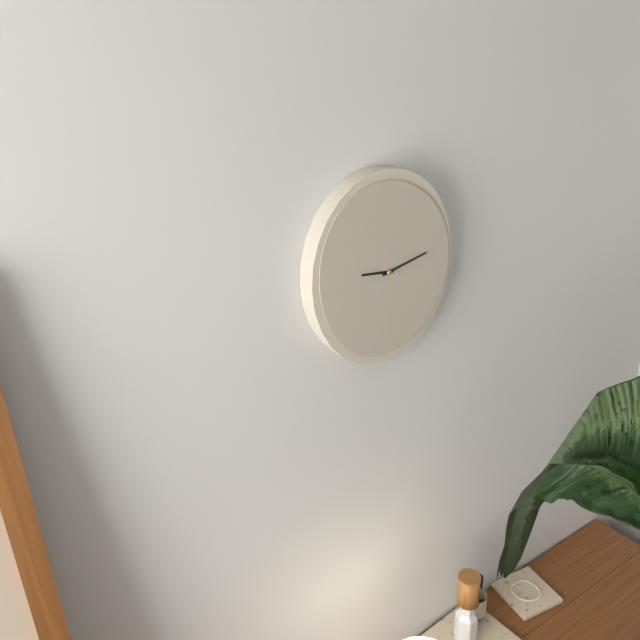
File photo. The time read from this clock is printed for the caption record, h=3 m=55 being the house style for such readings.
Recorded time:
h=9 m=13
